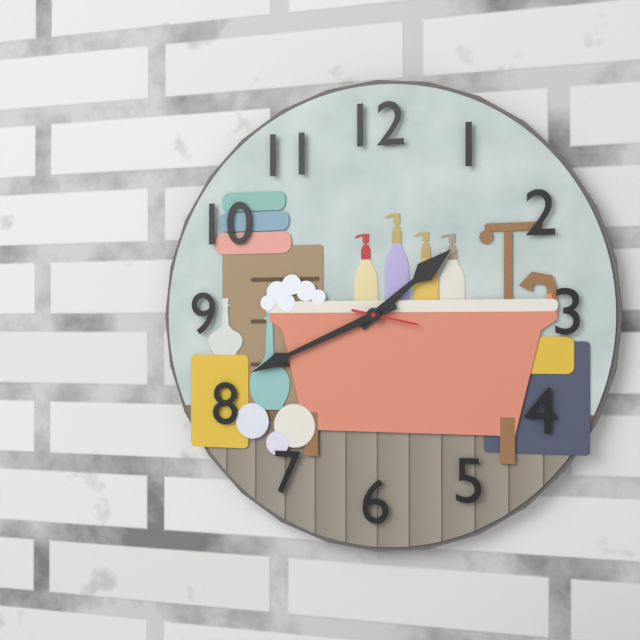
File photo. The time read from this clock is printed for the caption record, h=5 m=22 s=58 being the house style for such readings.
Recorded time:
h=1 m=41 s=17
